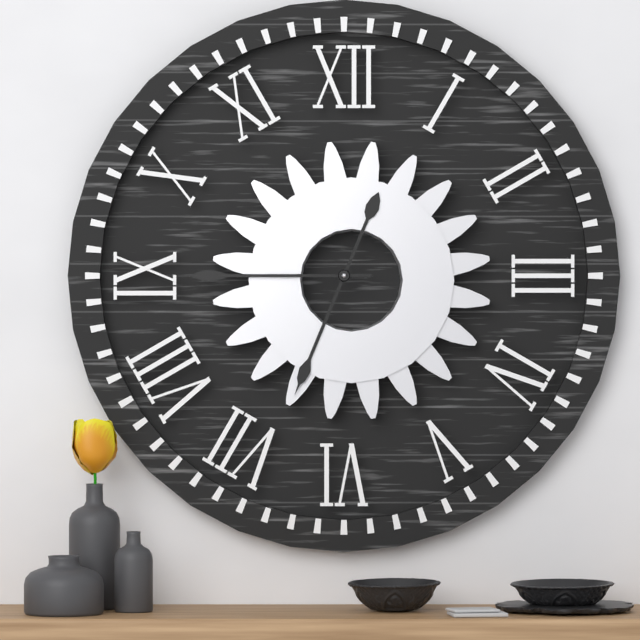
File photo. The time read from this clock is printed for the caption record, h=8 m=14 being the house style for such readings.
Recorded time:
h=6 m=45
